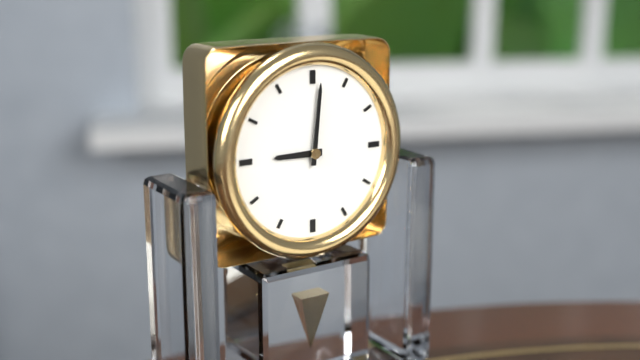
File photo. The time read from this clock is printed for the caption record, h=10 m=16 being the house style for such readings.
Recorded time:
h=9 m=1
